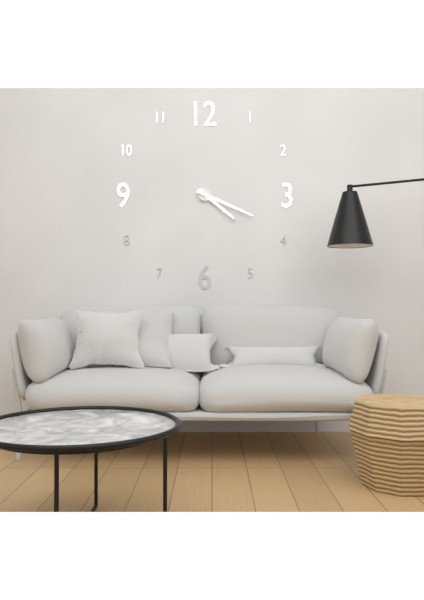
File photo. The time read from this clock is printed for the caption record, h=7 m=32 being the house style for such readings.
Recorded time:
h=4 m=19
